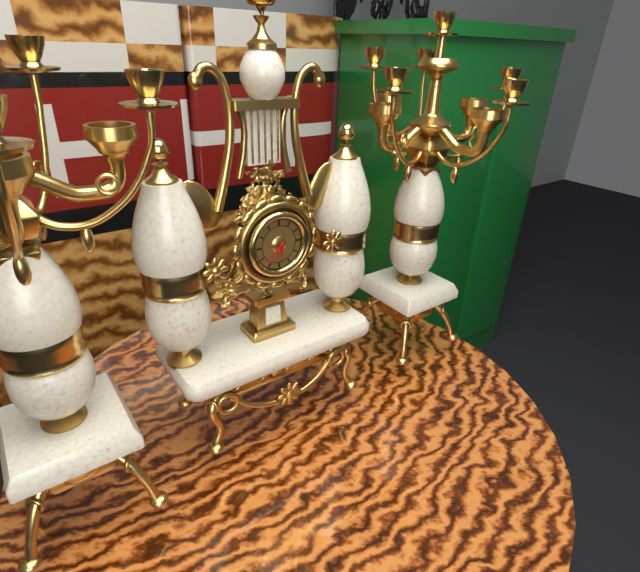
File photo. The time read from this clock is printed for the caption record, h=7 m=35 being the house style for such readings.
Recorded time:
h=5 m=37
